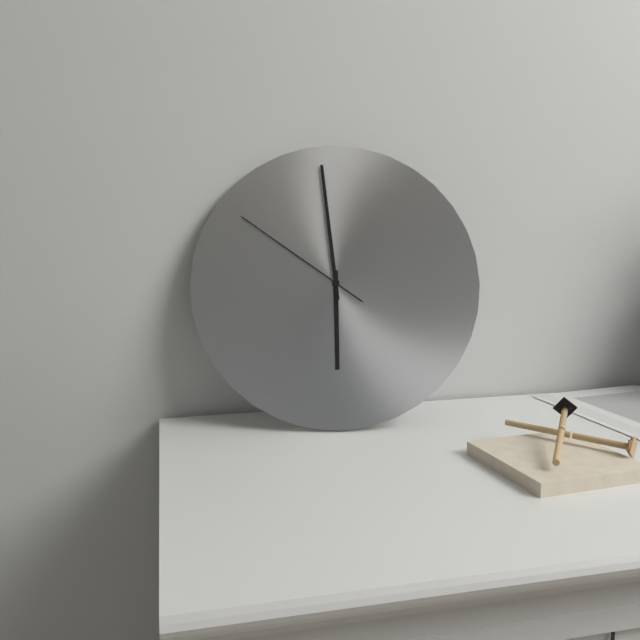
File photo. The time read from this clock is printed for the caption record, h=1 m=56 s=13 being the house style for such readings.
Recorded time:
h=5 m=59 s=51
